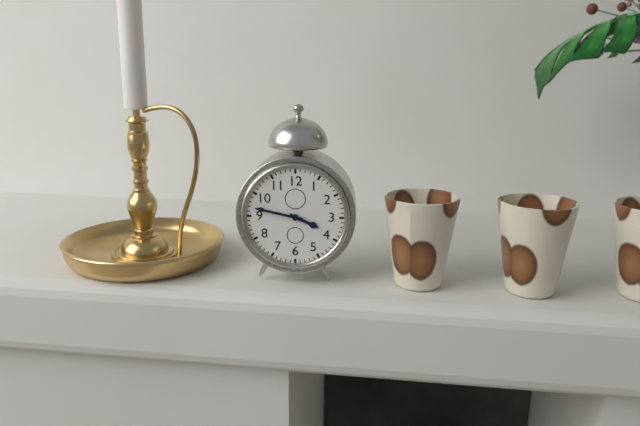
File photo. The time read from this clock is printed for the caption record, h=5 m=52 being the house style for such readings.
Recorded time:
h=3 m=47
